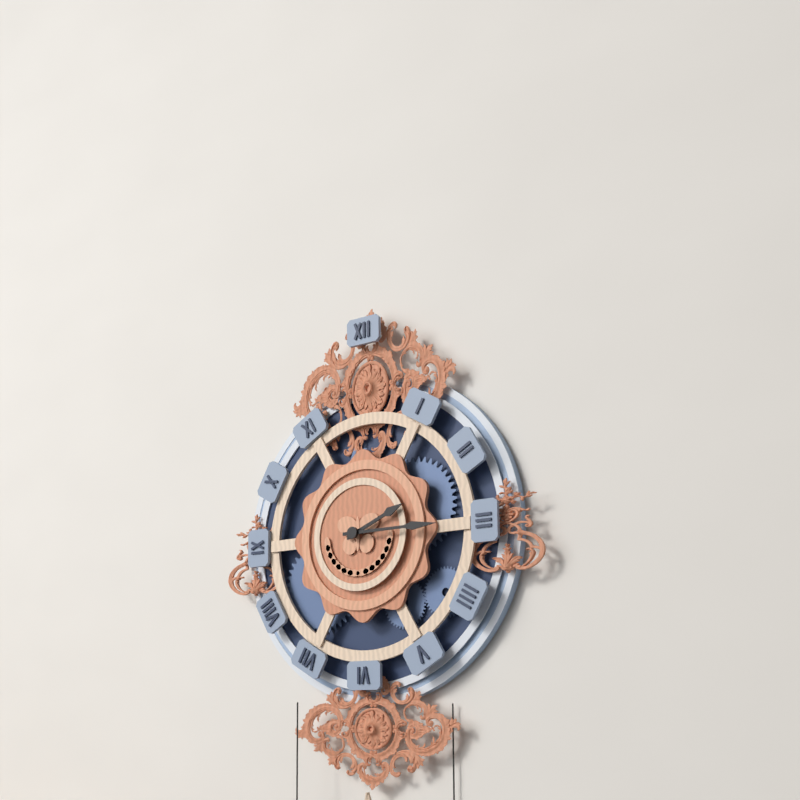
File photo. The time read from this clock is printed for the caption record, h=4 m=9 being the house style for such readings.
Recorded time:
h=2 m=15
